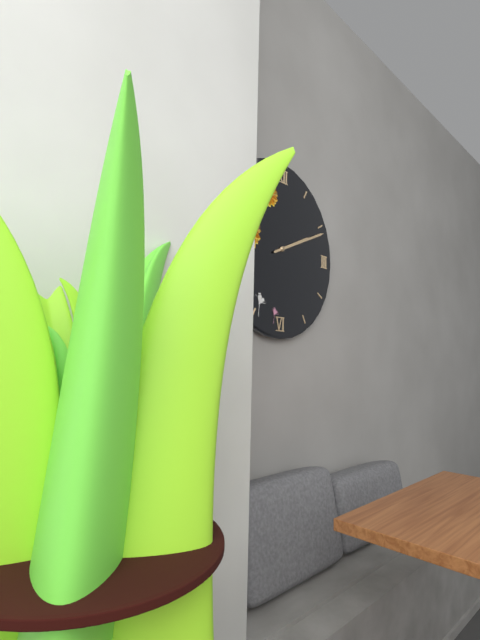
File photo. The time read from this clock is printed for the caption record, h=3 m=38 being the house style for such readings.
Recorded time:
h=2 m=11
